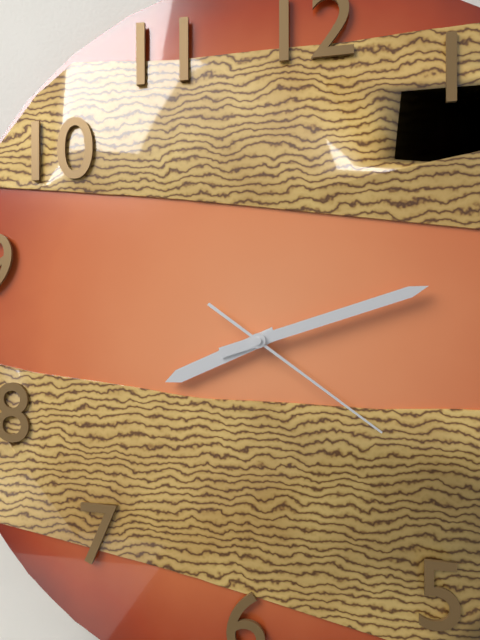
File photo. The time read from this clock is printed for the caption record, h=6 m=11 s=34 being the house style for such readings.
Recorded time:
h=8 m=12 s=21
